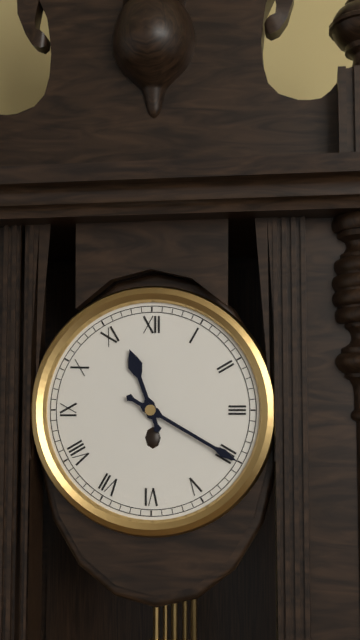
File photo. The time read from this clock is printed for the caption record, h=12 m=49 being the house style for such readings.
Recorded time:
h=11 m=20
